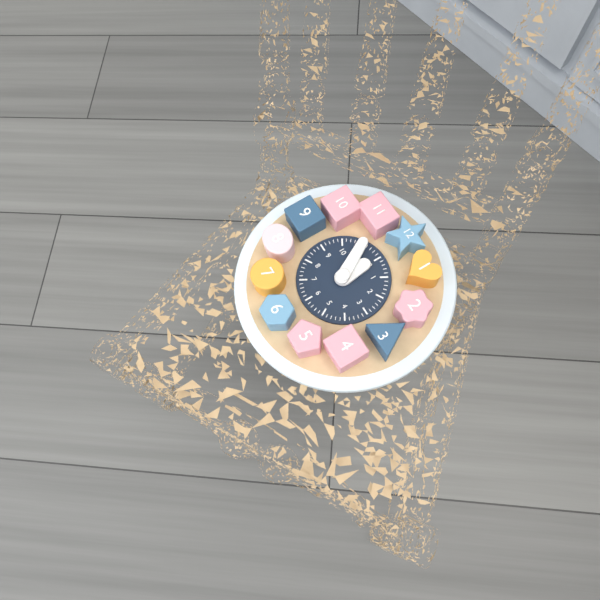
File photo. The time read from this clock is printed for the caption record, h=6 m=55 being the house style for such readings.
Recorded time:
h=11 m=55
